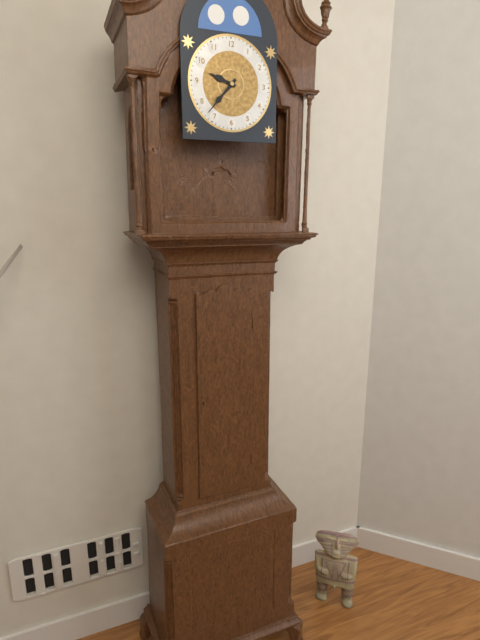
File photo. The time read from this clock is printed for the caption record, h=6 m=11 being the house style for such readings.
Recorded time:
h=9 m=37
